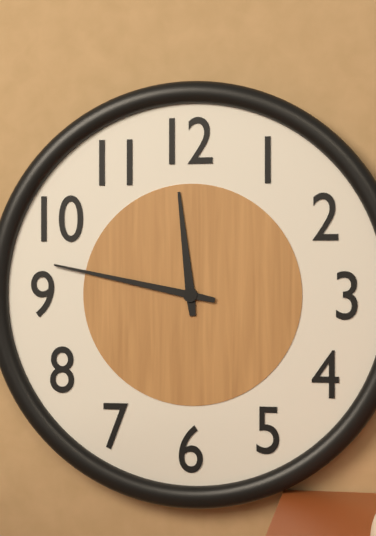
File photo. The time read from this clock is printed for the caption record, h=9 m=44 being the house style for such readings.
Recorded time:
h=11 m=47
